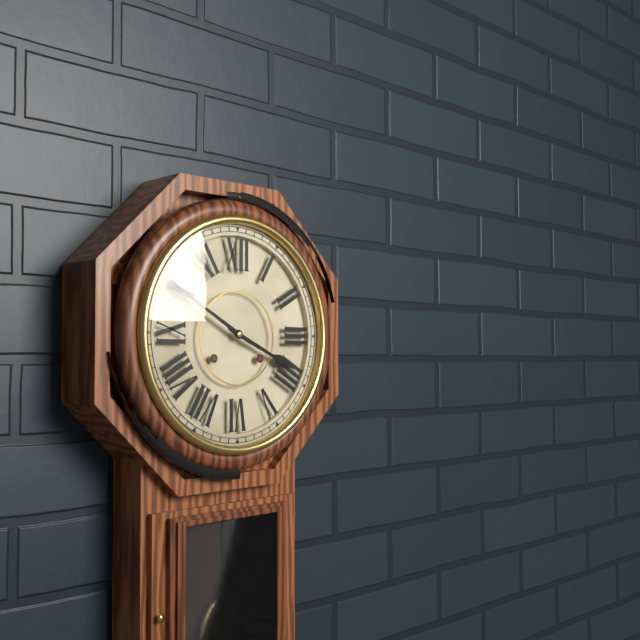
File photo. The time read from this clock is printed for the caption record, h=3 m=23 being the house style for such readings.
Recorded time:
h=3 m=50
